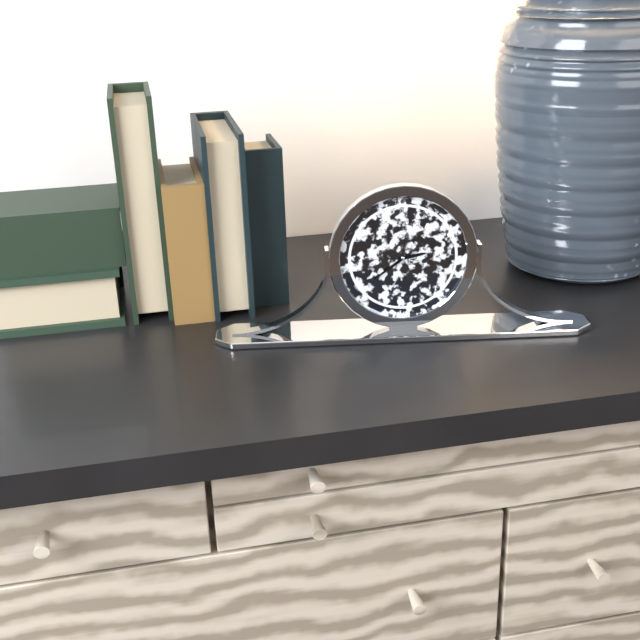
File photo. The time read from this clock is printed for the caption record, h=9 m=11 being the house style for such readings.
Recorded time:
h=2 m=39
